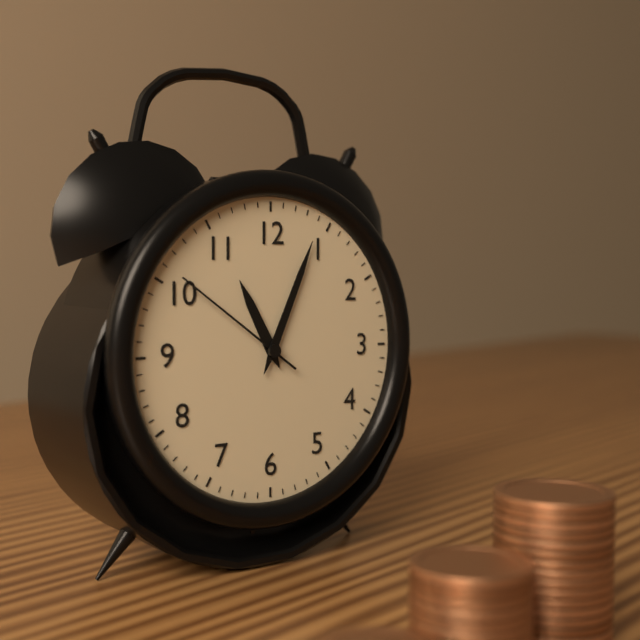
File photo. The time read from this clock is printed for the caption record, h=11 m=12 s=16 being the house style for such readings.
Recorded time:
h=11 m=4 s=51
